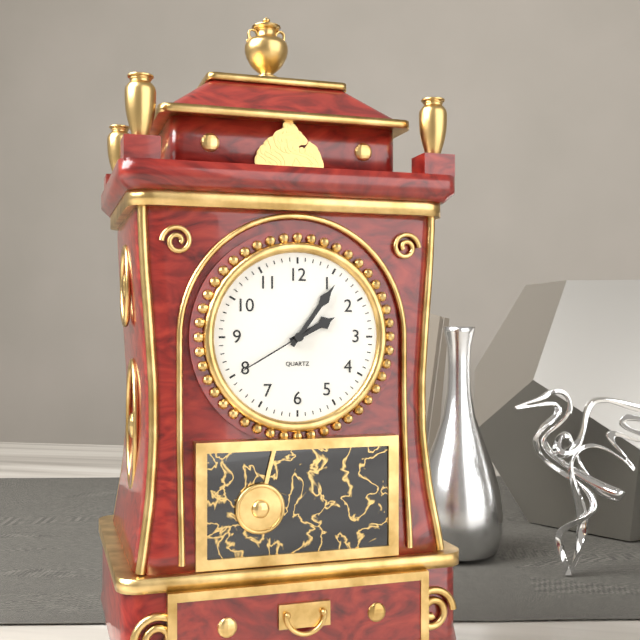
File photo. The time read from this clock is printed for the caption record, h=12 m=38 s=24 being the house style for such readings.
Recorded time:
h=2 m=6 s=40
